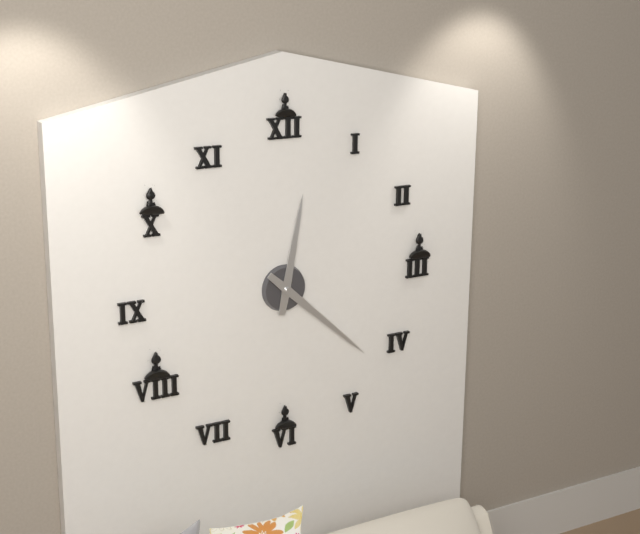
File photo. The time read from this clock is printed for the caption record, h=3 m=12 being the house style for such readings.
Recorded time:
h=12 m=22
